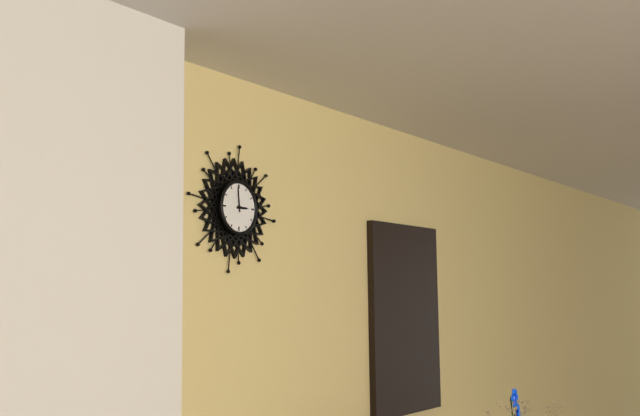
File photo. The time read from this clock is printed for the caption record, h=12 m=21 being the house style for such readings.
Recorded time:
h=2 m=59
